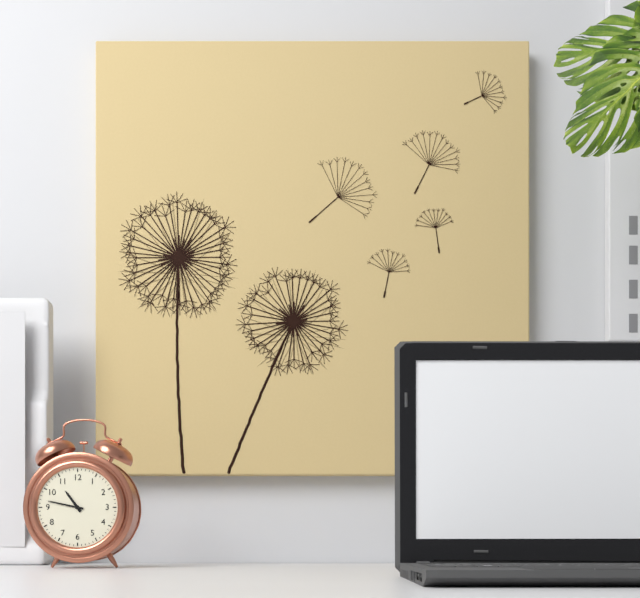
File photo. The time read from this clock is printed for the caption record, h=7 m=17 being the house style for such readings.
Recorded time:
h=10 m=47
